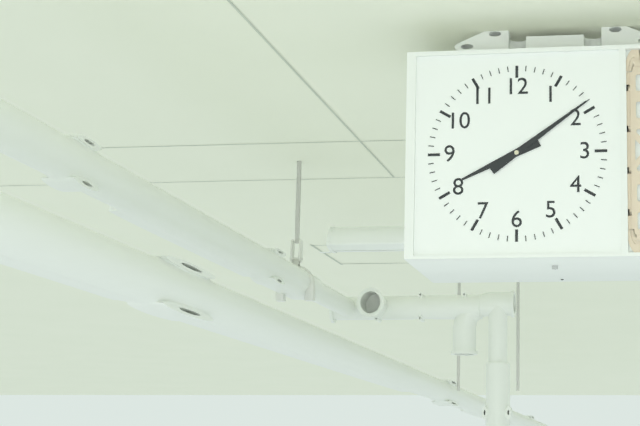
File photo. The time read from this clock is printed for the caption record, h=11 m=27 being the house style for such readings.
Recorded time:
h=8 m=9
